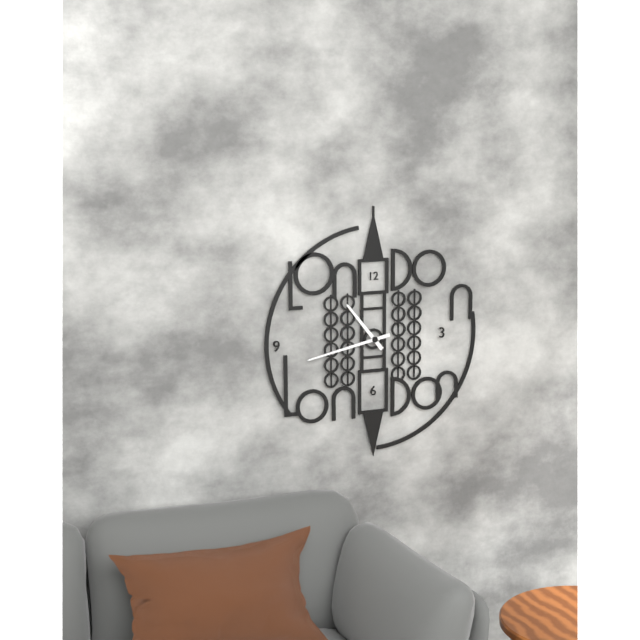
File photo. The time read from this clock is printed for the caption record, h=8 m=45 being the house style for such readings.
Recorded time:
h=10 m=43
